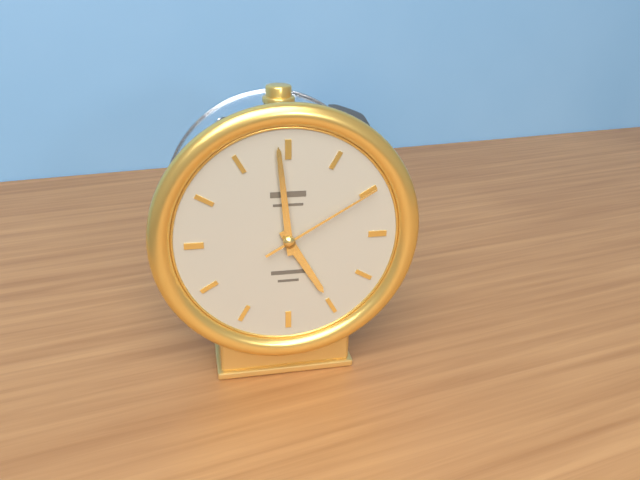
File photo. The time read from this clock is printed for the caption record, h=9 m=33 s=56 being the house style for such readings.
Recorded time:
h=4 m=59 s=10
